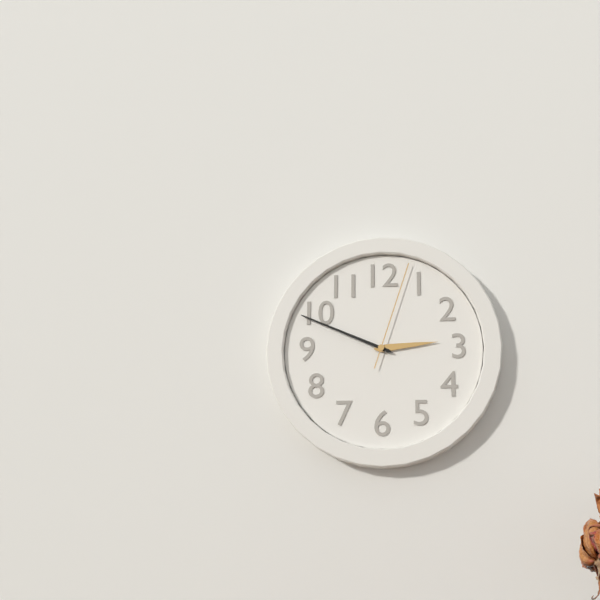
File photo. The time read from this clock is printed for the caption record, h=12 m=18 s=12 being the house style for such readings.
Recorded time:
h=2 m=49 s=3
